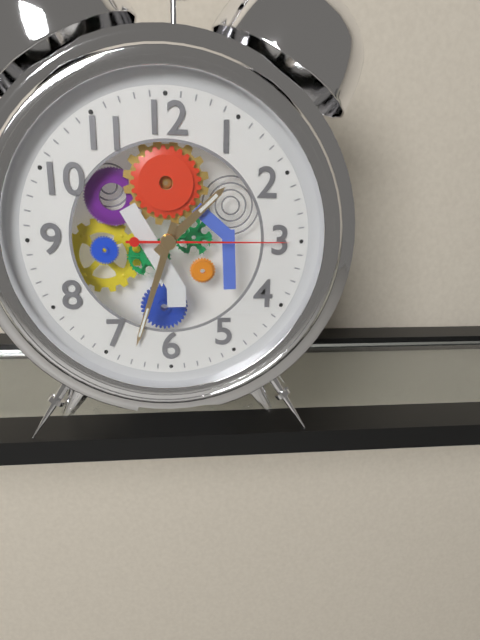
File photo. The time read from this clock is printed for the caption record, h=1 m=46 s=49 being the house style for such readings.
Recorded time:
h=1 m=33 s=15
